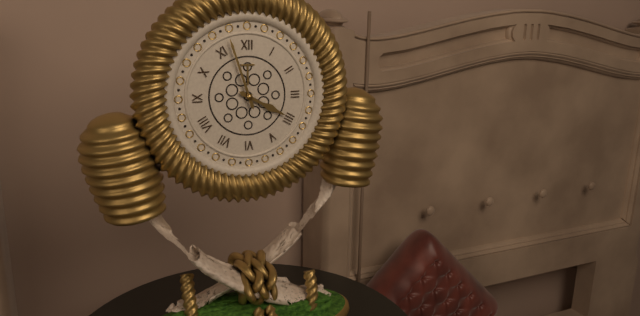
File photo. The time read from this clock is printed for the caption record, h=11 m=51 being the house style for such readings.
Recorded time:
h=3 m=57
